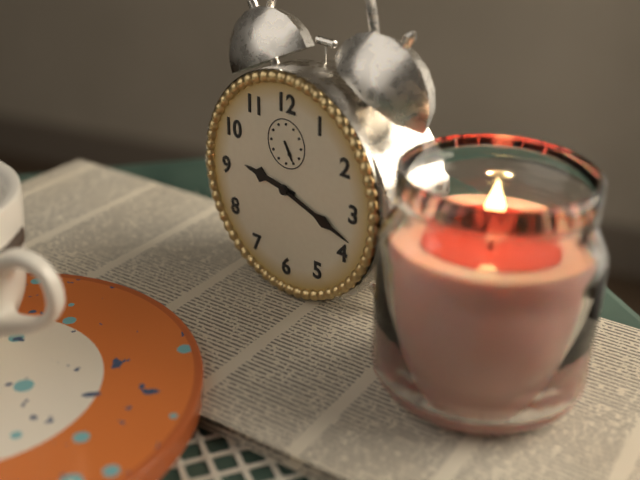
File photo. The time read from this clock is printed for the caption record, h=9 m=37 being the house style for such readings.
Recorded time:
h=9 m=18
